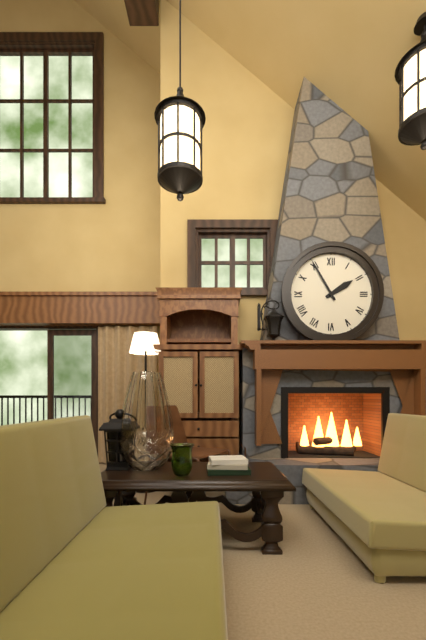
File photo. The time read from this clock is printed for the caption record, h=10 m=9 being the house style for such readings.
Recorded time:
h=1 m=55
